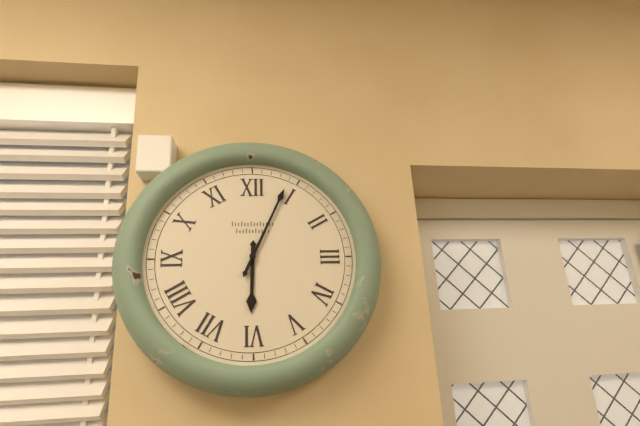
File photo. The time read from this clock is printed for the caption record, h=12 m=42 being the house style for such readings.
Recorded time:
h=6 m=4
